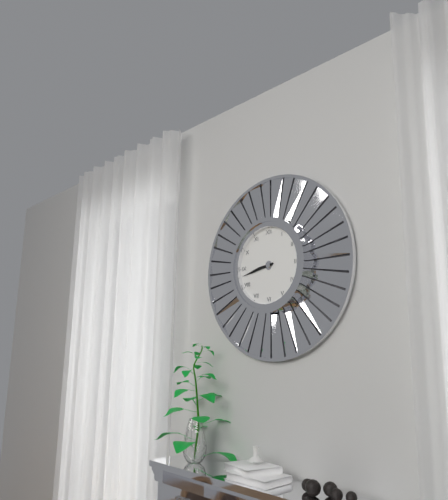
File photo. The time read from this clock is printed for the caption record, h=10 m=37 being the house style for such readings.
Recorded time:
h=8 m=43
